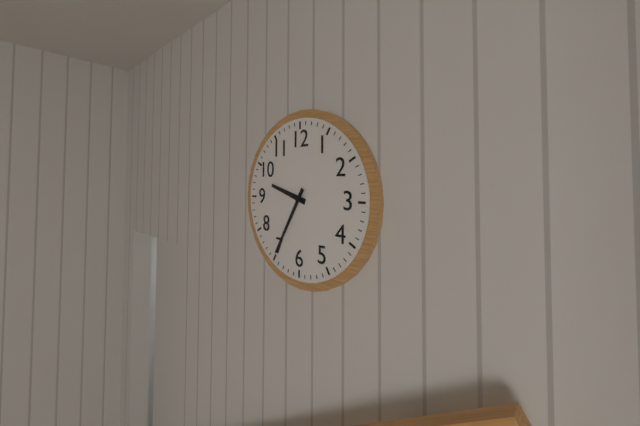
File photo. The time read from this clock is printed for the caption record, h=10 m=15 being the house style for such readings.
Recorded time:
h=9 m=35
